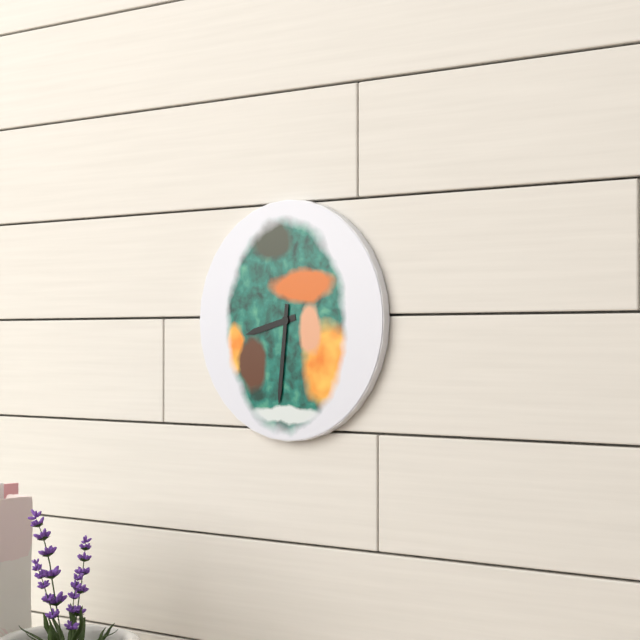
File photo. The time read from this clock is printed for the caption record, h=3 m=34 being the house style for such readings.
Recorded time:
h=8 m=31
